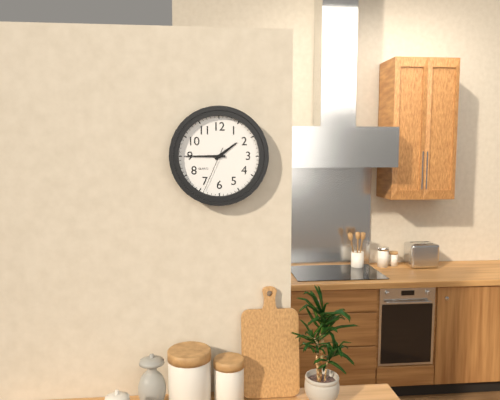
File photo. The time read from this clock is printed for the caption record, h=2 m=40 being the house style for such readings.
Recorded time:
h=1 m=45
